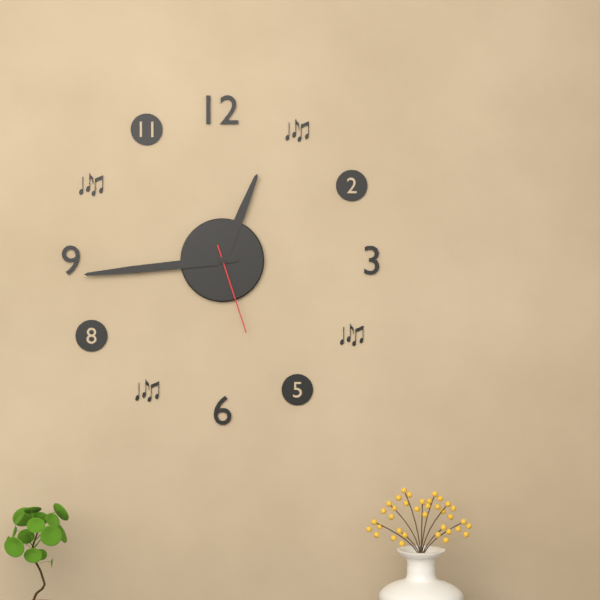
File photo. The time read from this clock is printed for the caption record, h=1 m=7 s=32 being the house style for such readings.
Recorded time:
h=12 m=44 s=27
